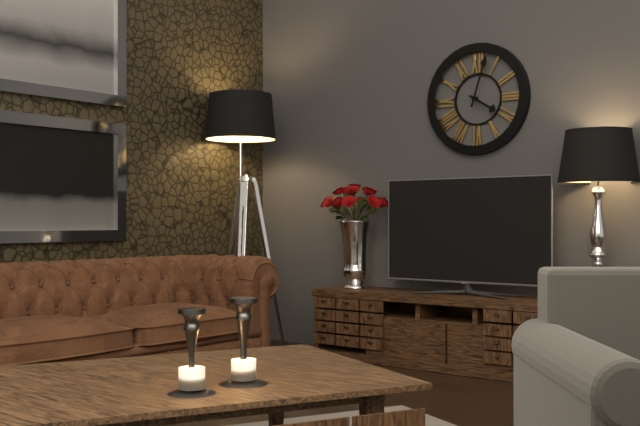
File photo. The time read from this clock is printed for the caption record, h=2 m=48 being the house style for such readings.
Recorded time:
h=4 m=3
